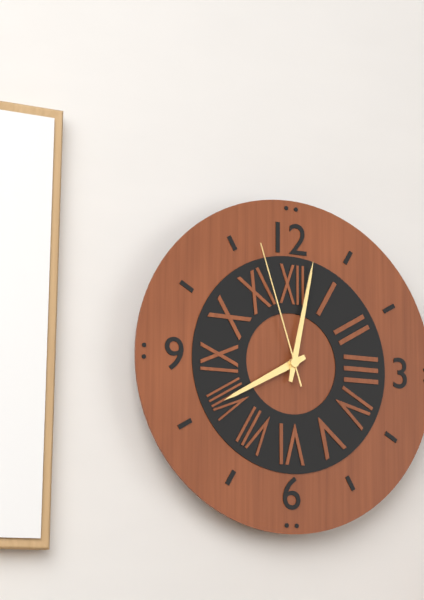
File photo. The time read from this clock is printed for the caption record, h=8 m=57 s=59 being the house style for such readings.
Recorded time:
h=8 m=2 s=57
